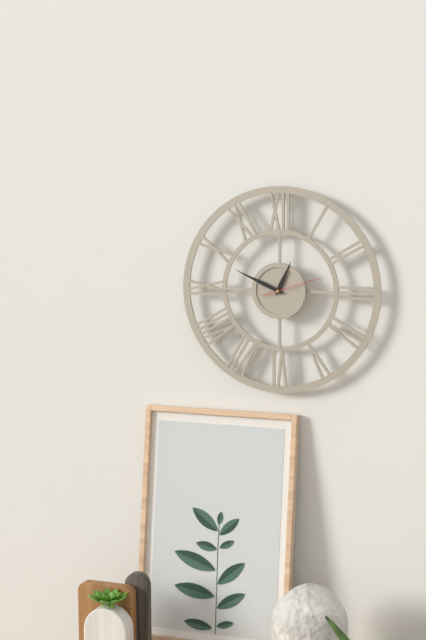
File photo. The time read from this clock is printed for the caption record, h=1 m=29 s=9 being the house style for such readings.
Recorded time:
h=12 m=49 s=12
